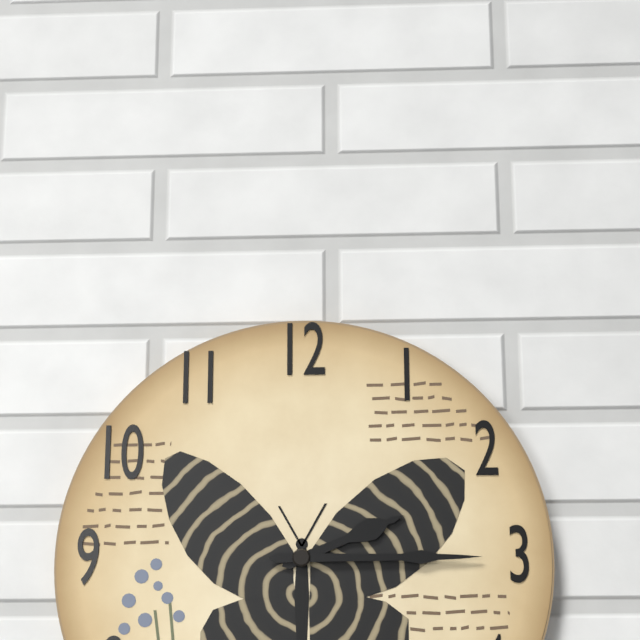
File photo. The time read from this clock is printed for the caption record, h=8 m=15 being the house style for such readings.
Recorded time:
h=2 m=15
